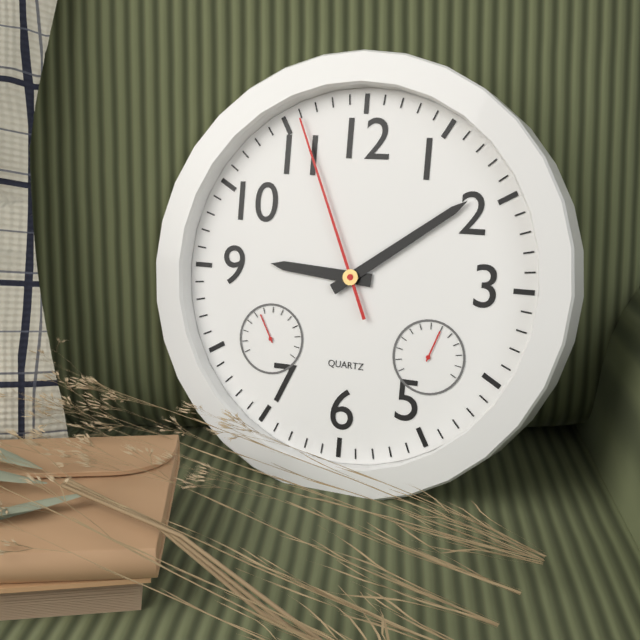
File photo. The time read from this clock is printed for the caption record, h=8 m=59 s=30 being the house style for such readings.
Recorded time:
h=9 m=9 s=56
